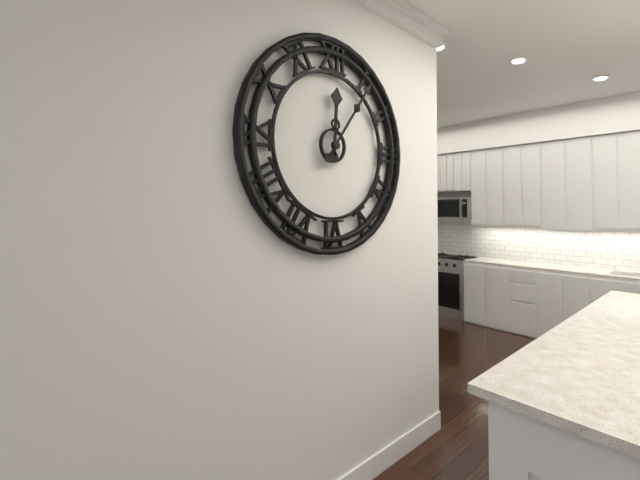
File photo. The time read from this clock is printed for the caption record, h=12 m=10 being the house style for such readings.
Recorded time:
h=12 m=6
